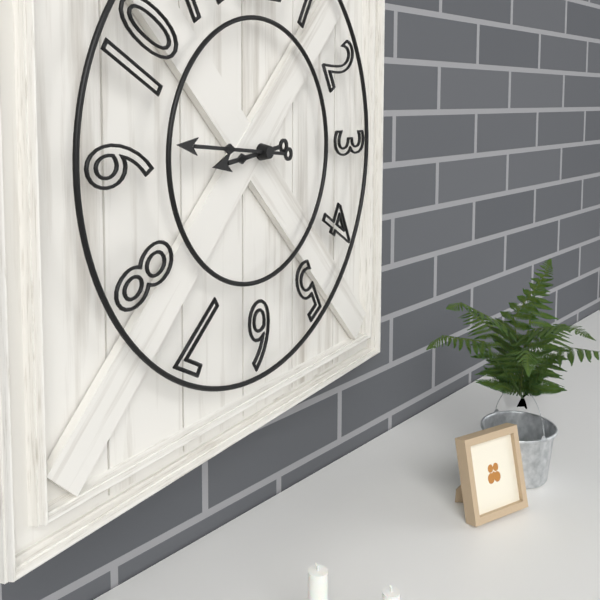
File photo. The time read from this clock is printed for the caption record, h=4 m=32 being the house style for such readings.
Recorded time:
h=8 m=46
